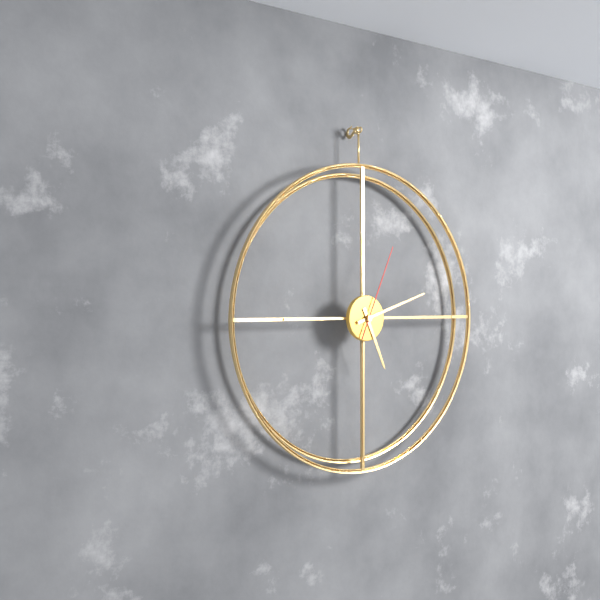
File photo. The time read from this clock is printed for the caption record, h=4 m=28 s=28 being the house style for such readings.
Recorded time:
h=5 m=12 s=4
